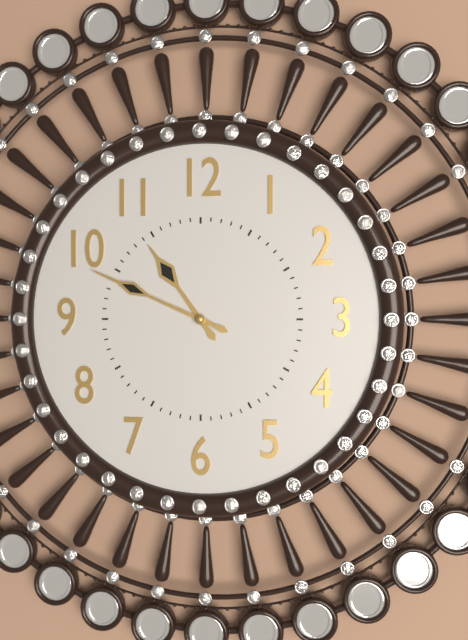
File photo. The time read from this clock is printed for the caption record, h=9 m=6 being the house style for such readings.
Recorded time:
h=10 m=49
